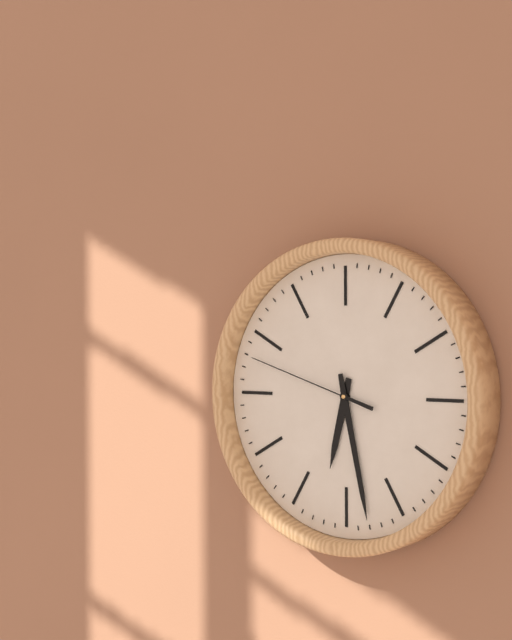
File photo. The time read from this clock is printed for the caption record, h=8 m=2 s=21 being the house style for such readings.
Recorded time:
h=6 m=28 s=48
